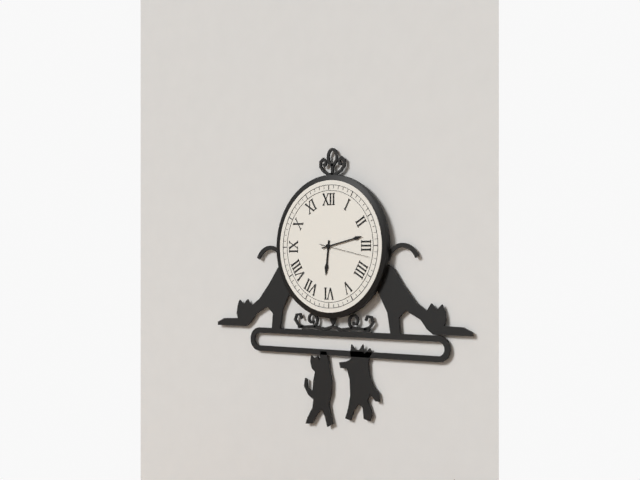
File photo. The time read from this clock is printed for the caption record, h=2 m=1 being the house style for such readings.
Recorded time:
h=6 m=13
